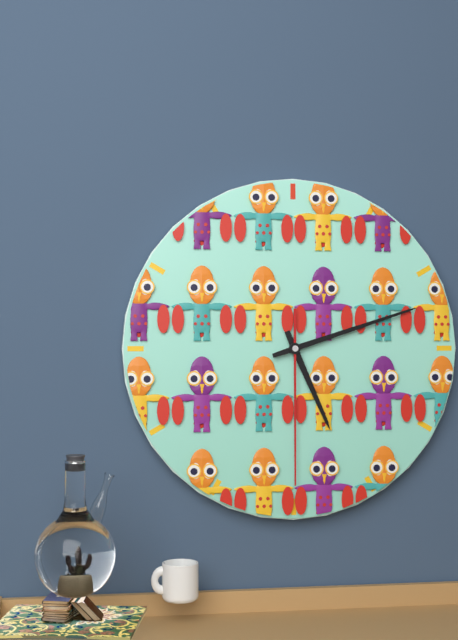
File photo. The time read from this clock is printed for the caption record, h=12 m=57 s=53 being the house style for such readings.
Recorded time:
h=5 m=12 s=30
